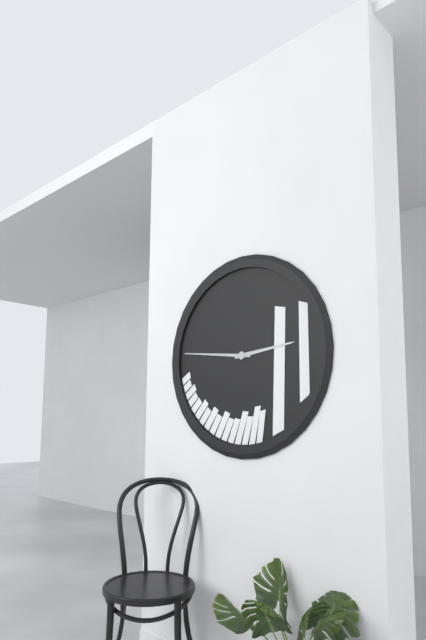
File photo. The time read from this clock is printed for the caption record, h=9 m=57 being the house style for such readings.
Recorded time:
h=2 m=46
